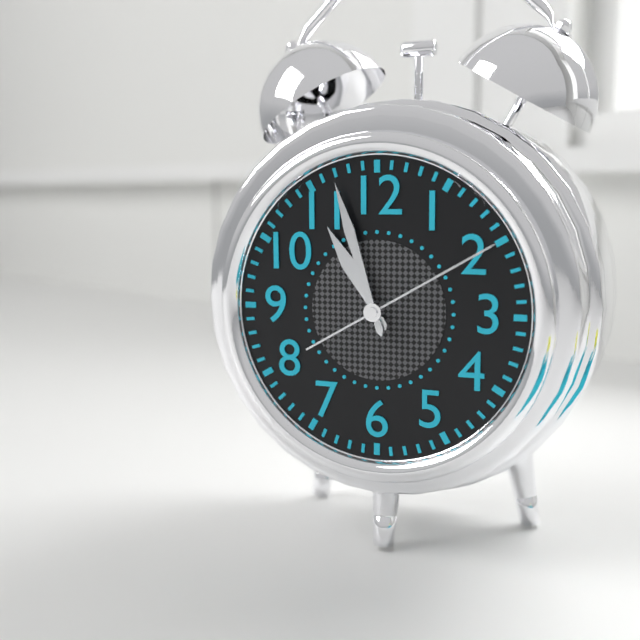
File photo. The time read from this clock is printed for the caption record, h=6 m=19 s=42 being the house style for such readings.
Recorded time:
h=10 m=57 s=10
